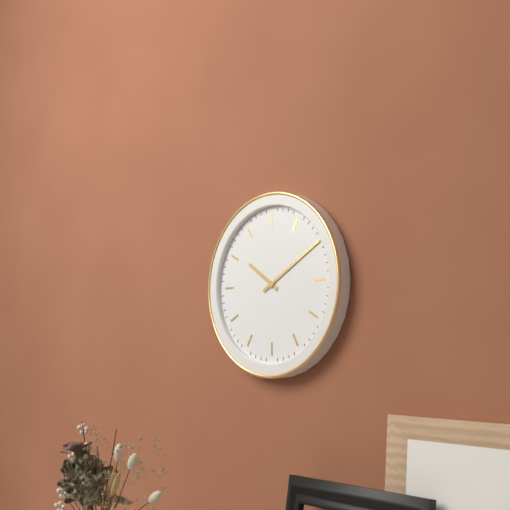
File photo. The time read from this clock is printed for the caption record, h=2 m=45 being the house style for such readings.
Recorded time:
h=10 m=10
